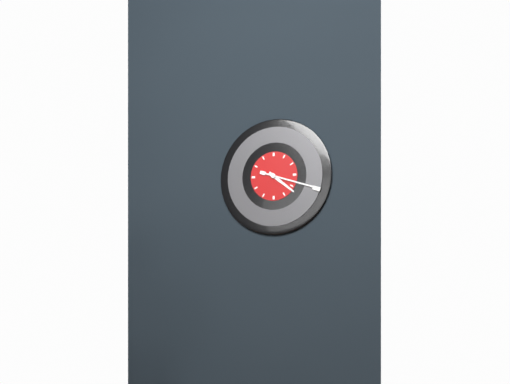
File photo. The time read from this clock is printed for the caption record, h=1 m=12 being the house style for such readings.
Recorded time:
h=4 m=18
